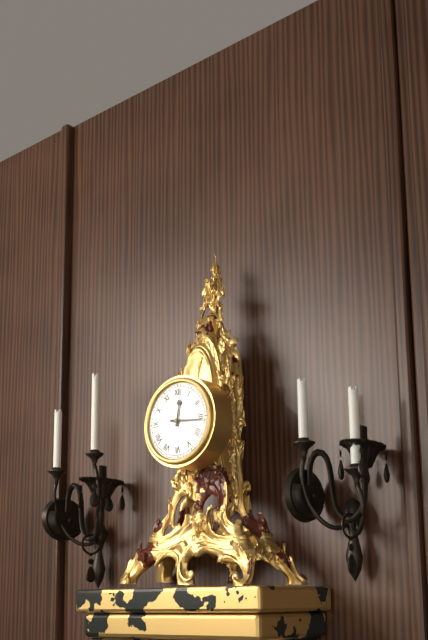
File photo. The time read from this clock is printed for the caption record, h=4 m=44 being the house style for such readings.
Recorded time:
h=12 m=16
